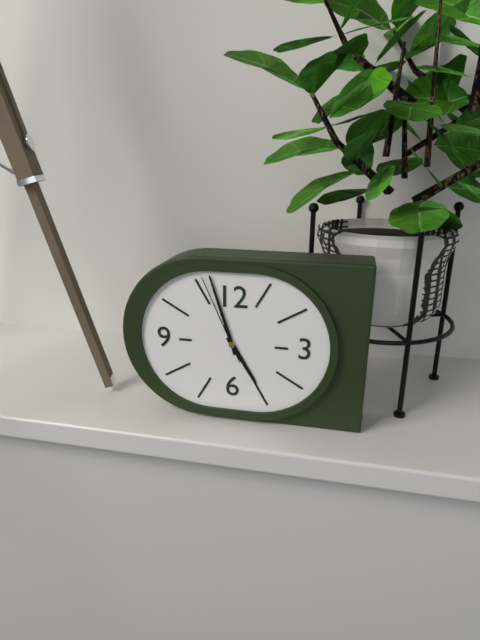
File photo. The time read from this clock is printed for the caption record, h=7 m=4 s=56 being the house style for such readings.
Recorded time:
h=4 m=57 s=56
